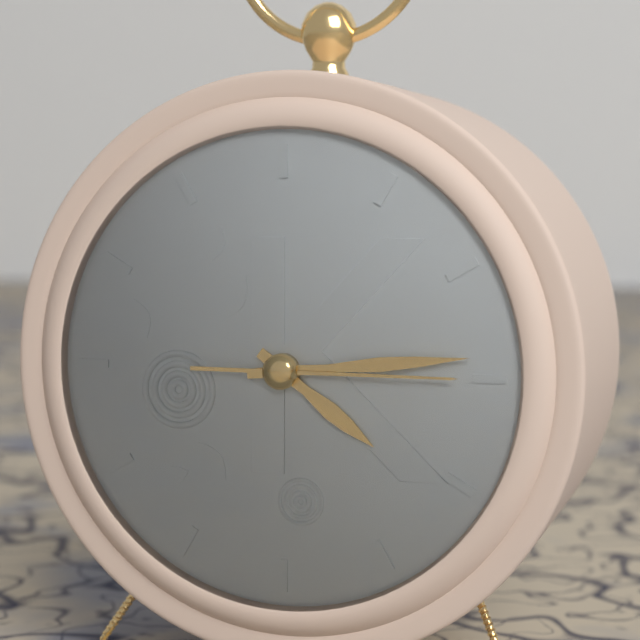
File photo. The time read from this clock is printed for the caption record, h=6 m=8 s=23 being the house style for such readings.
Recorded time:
h=4 m=14 s=15
